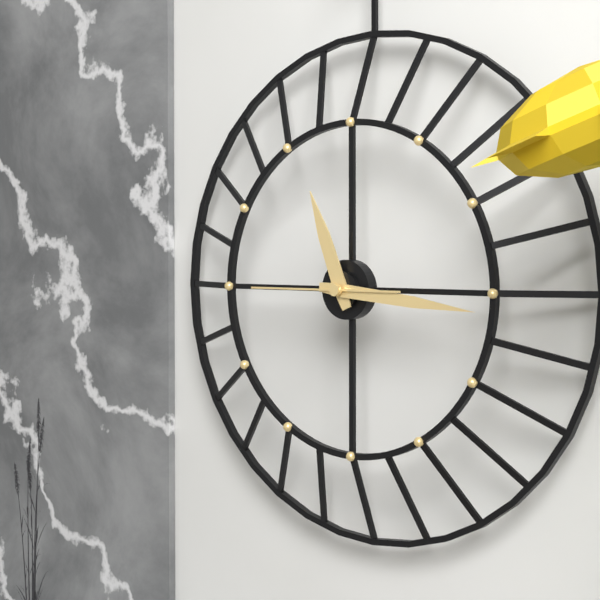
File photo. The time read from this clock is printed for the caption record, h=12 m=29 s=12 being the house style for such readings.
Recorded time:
h=11 m=16 s=45
